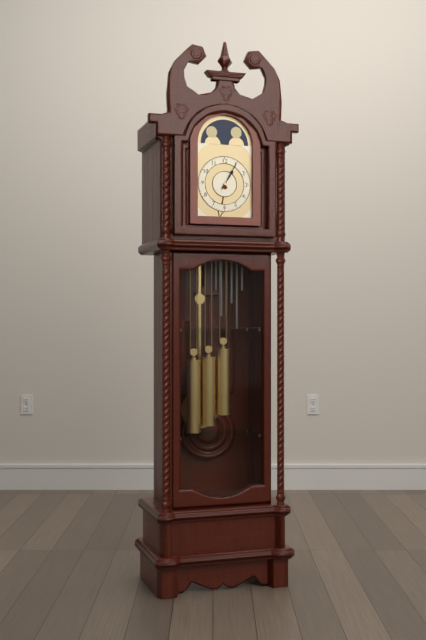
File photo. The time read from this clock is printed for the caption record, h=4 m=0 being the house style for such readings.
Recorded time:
h=1 m=5
